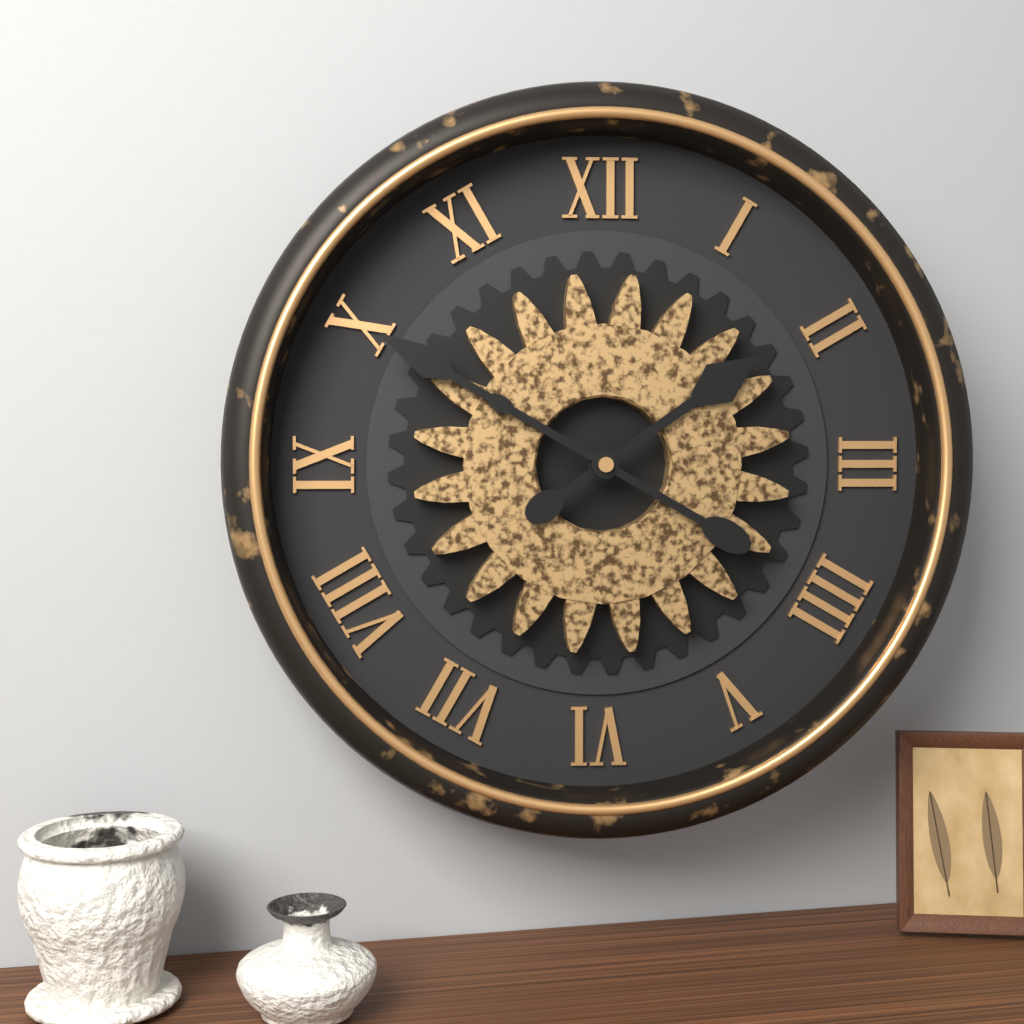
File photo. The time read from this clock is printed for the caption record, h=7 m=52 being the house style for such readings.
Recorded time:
h=1 m=50
